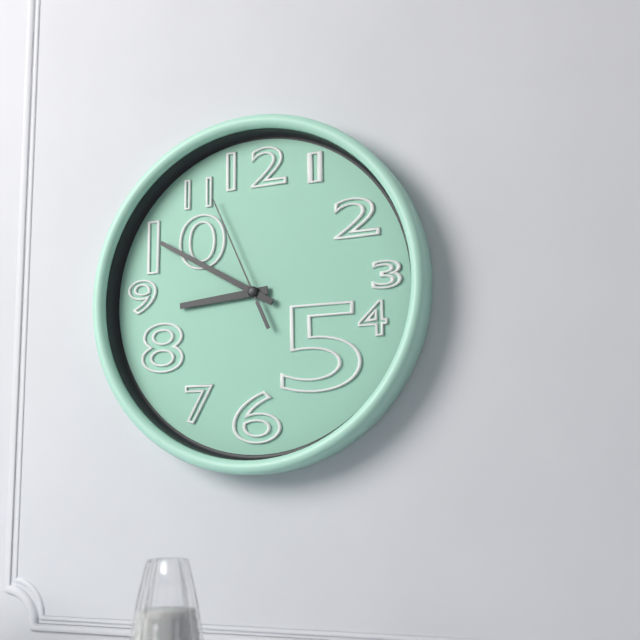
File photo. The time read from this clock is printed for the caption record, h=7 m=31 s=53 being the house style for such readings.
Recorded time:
h=8 m=50 s=56
